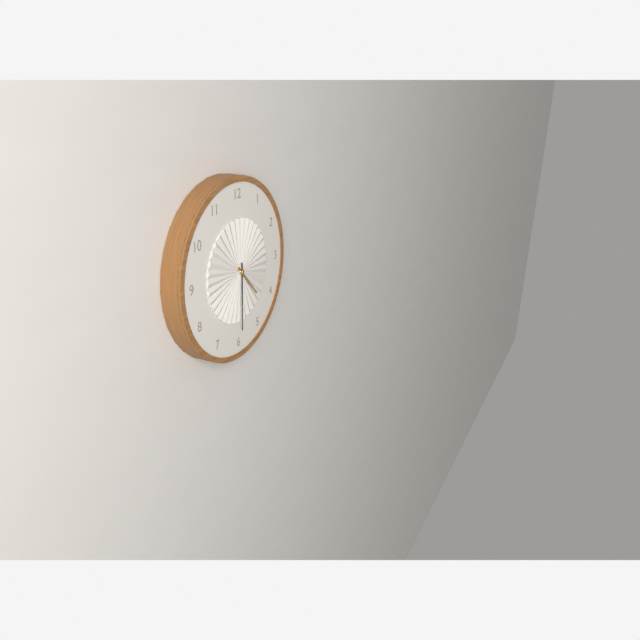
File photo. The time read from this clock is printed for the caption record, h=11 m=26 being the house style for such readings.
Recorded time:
h=4 m=30
